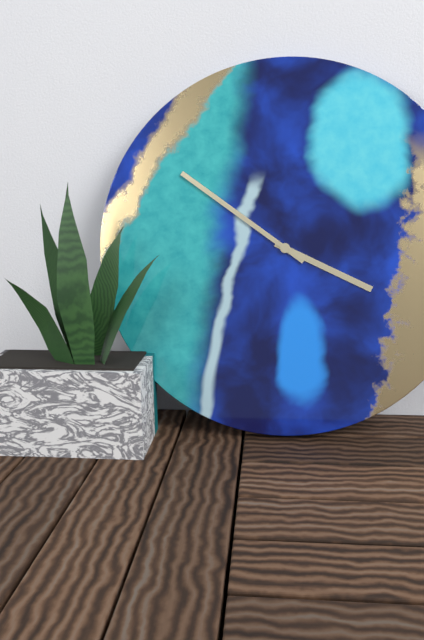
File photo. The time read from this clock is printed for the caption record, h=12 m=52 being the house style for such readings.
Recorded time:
h=3 m=51
